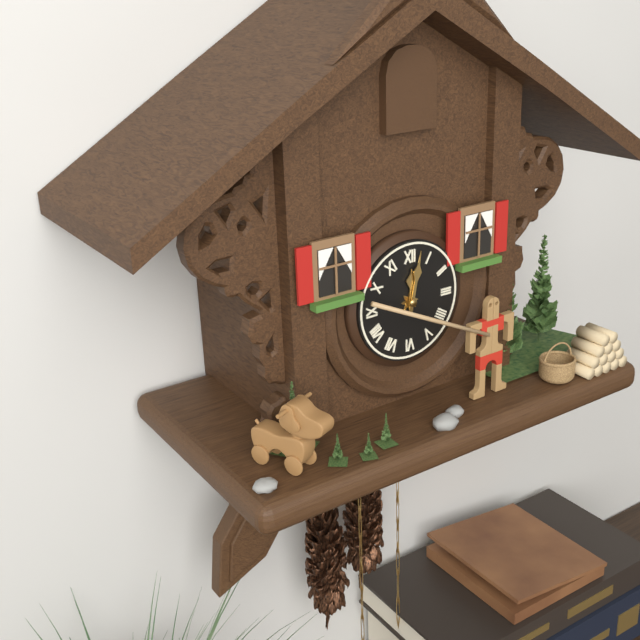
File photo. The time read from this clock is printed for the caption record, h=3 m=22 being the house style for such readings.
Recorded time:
h=12 m=2
